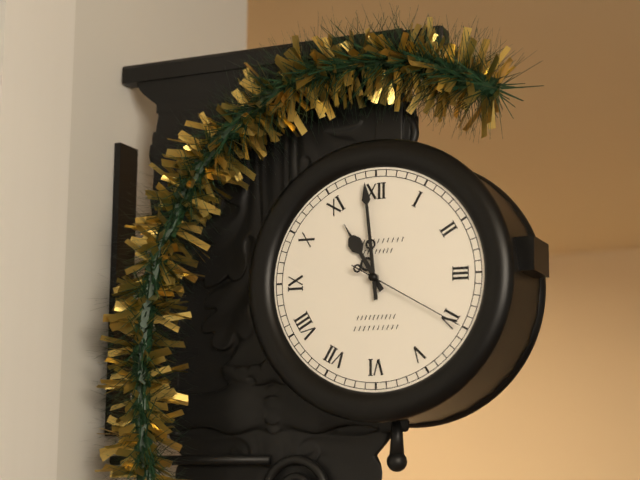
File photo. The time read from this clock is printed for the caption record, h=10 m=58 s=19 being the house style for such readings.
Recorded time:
h=10 m=59 s=20
